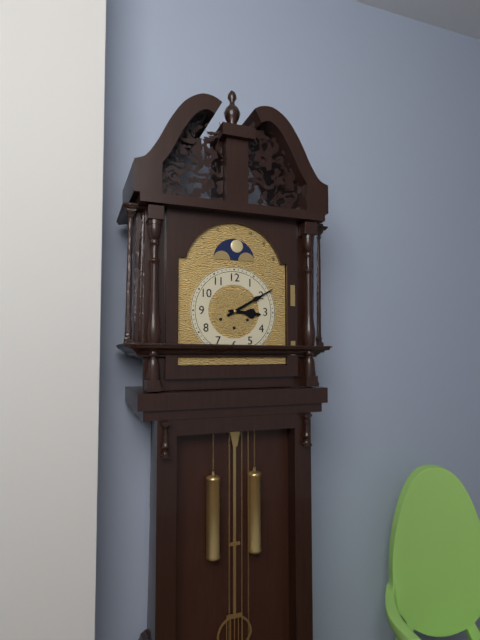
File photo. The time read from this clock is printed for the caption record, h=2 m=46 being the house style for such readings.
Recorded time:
h=3 m=10
